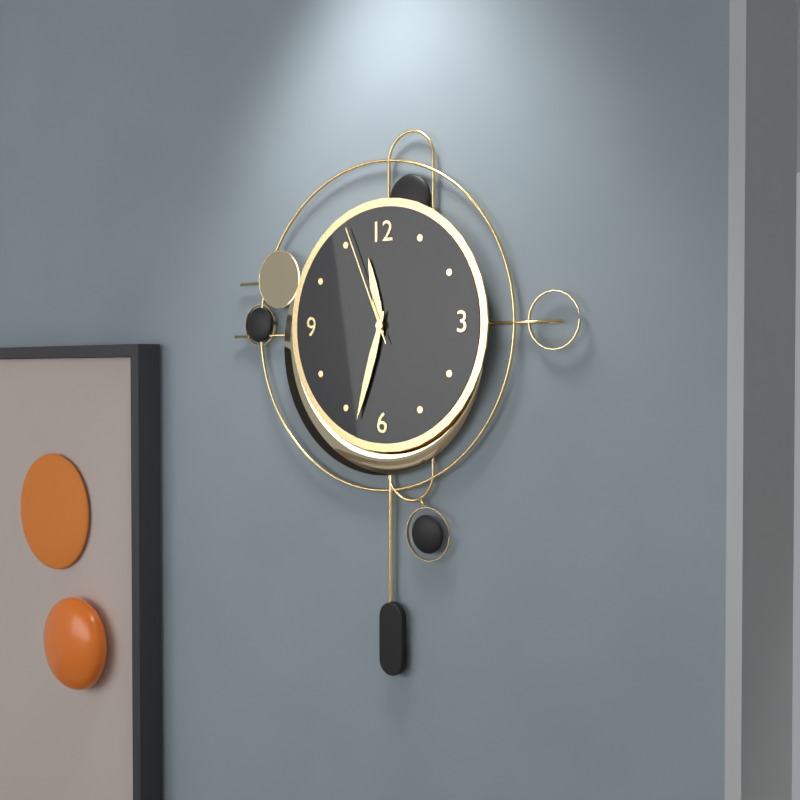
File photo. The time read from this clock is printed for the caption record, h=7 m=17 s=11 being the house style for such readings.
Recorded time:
h=11 m=33 s=56
